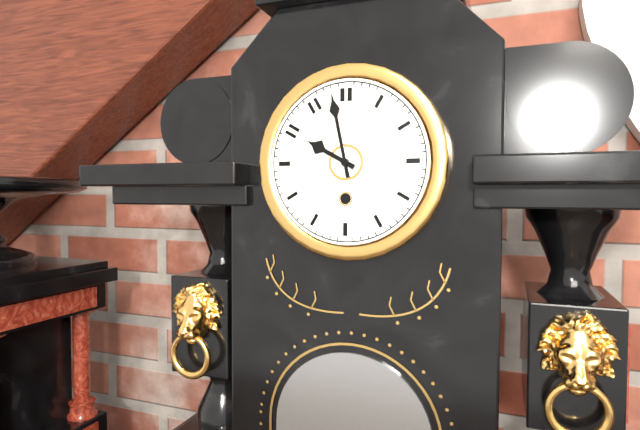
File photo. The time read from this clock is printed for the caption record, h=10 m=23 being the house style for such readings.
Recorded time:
h=9 m=58
